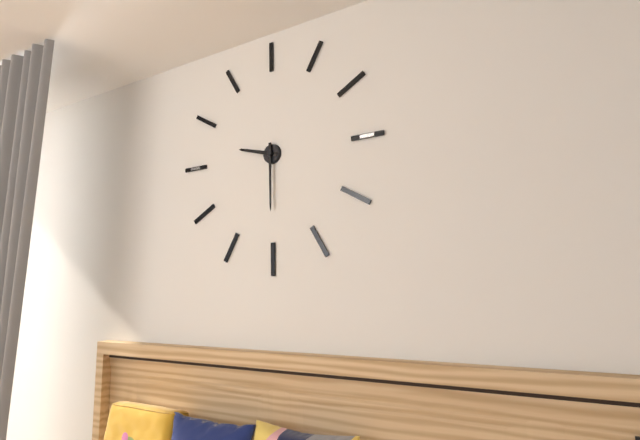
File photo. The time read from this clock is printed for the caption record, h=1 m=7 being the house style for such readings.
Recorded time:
h=9 m=30
